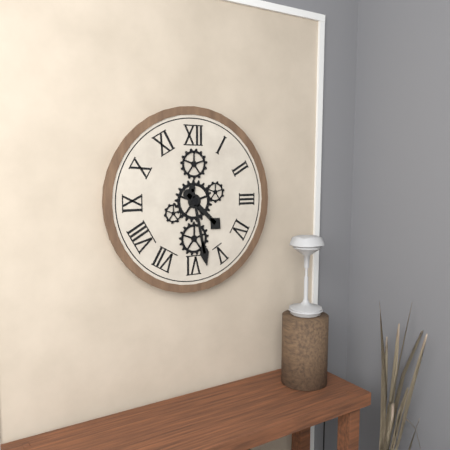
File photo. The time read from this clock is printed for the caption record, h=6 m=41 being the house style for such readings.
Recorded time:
h=4 m=28
